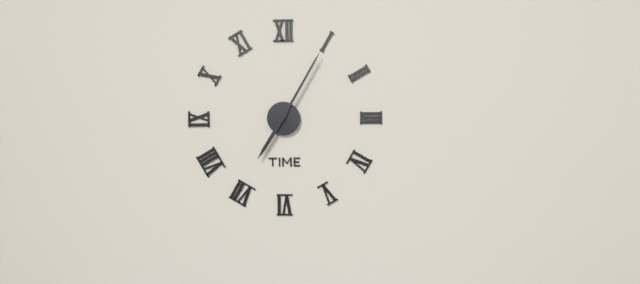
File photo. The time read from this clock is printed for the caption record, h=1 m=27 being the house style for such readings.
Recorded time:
h=7 m=5
